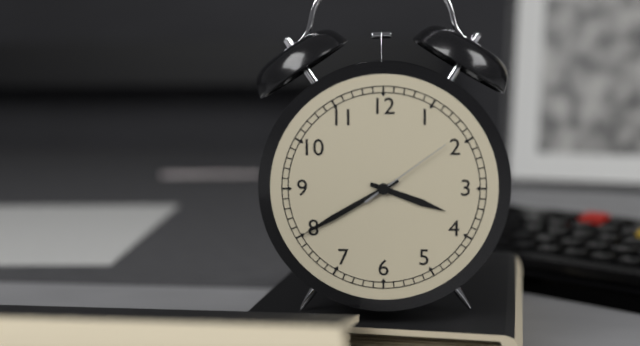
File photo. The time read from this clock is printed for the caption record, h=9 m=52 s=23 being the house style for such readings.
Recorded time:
h=3 m=40 s=9
